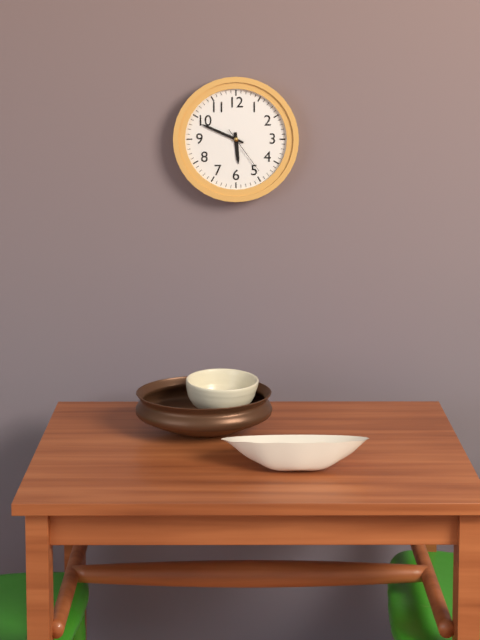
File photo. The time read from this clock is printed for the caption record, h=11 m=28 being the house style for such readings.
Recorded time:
h=5 m=49
